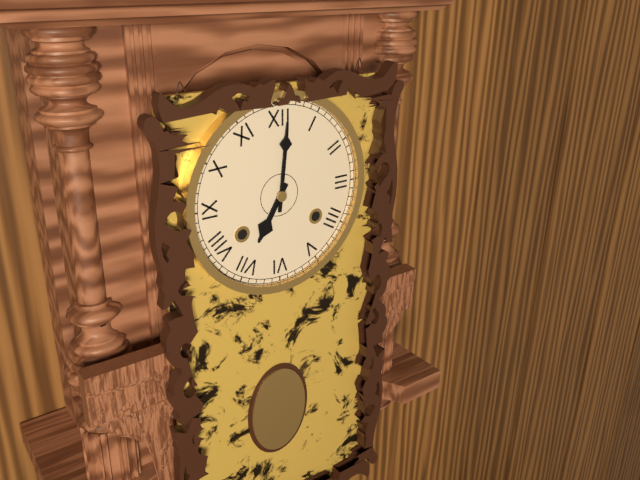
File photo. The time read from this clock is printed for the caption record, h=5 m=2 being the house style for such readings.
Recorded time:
h=7 m=1
